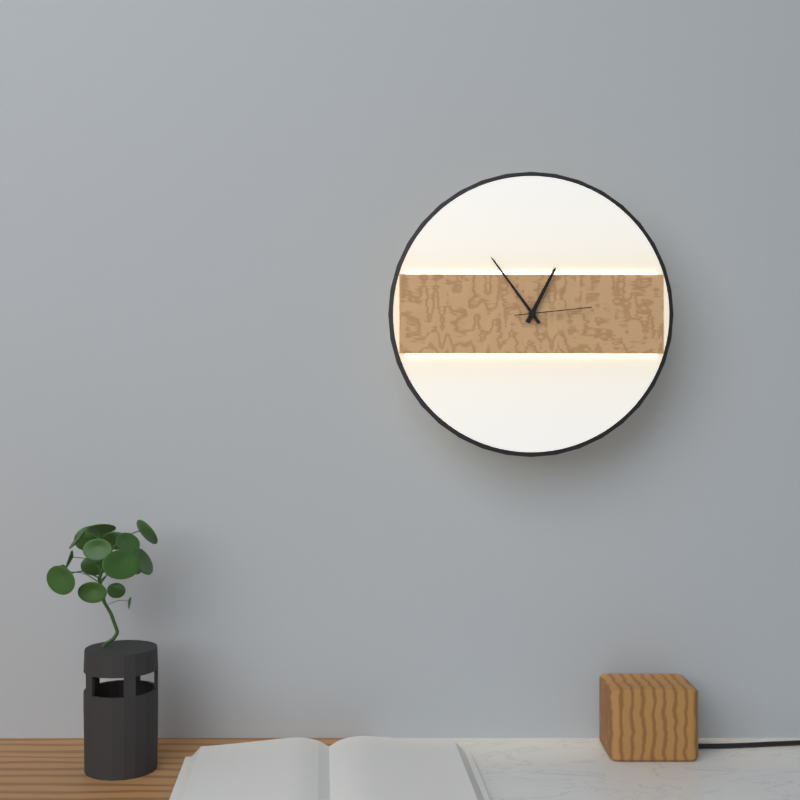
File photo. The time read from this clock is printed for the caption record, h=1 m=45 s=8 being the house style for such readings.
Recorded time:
h=12 m=54 s=14
